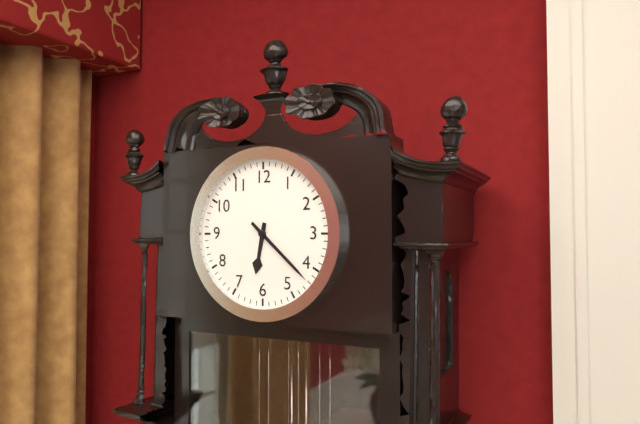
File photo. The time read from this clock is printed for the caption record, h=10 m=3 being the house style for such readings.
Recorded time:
h=6 m=22
